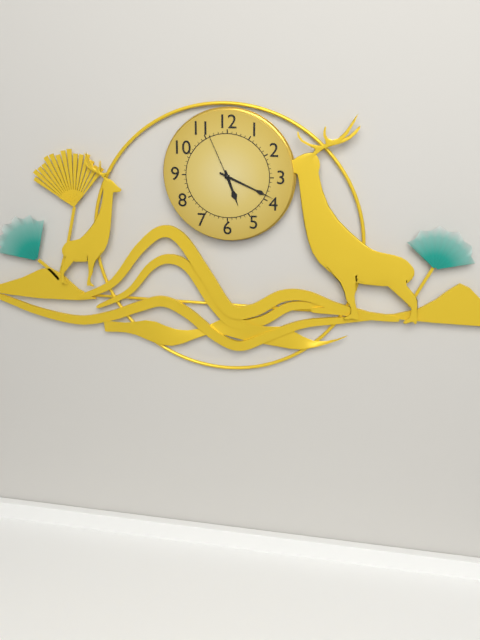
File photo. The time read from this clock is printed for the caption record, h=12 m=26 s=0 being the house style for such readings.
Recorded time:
h=5 m=19 s=56
